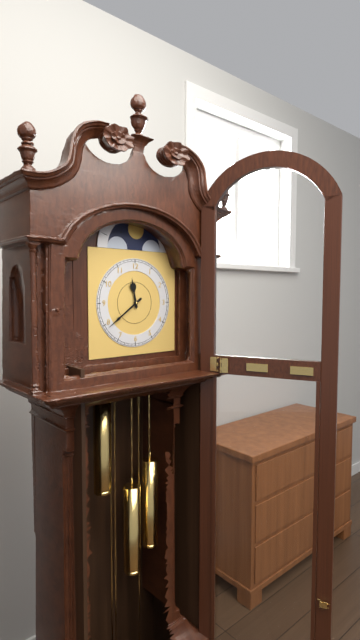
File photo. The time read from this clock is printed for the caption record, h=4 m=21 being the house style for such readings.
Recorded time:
h=11 m=39
